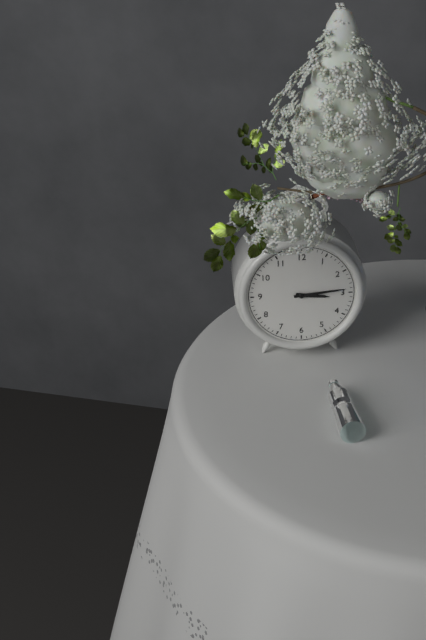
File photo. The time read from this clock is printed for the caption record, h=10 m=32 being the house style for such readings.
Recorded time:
h=3 m=14
